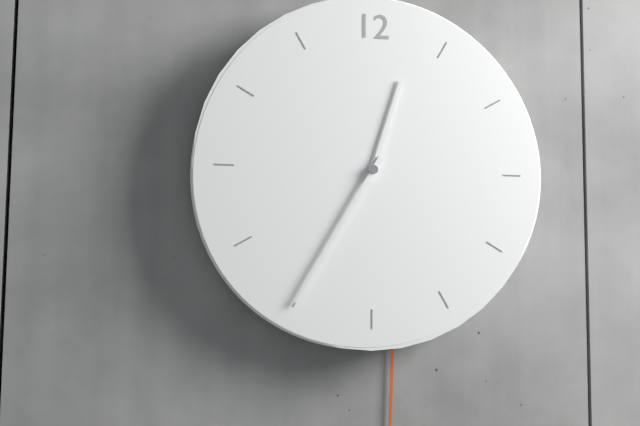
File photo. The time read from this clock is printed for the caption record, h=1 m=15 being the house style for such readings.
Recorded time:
h=12 m=35
